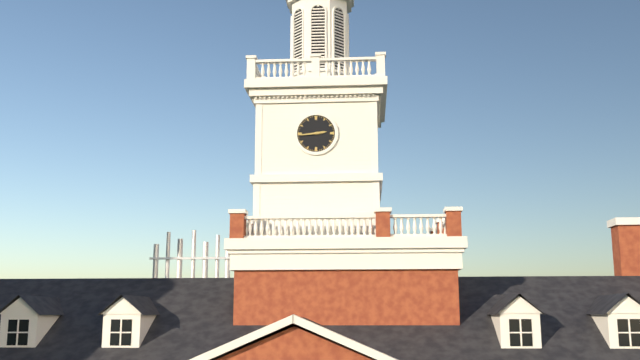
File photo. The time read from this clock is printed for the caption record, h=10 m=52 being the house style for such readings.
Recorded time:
h=2 m=44
